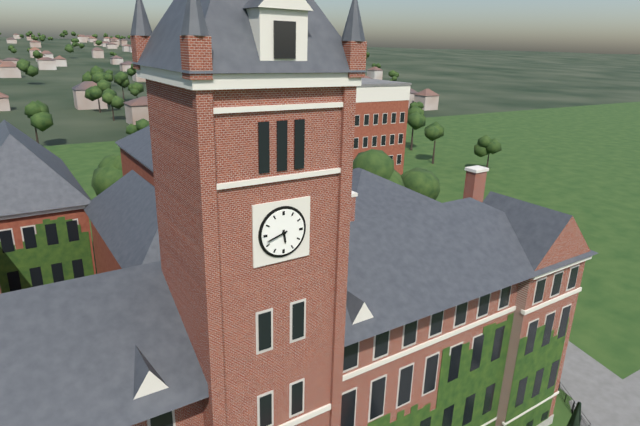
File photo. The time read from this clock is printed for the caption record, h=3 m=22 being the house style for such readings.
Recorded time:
h=5 m=42
